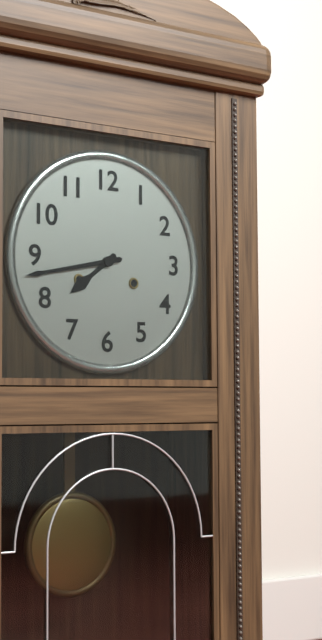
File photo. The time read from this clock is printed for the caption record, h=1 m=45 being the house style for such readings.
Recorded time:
h=7 m=43
